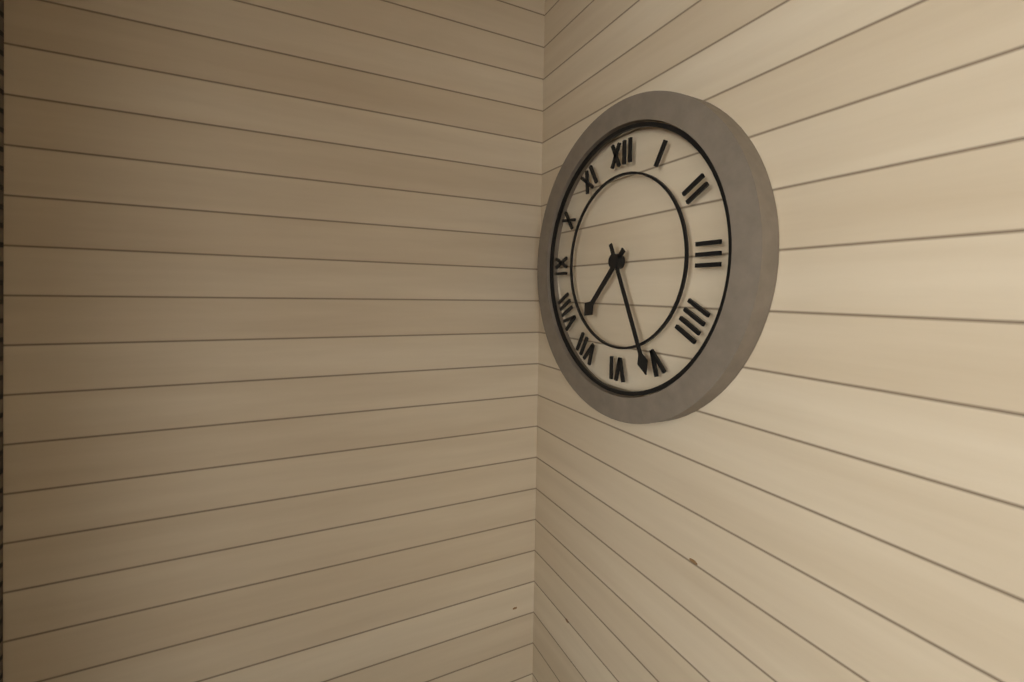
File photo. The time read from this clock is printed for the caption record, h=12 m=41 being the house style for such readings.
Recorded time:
h=7 m=26
